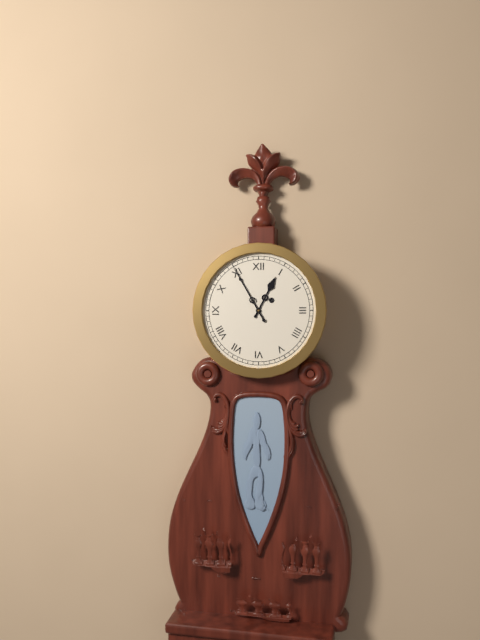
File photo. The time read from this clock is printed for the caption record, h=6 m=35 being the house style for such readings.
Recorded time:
h=12 m=55
